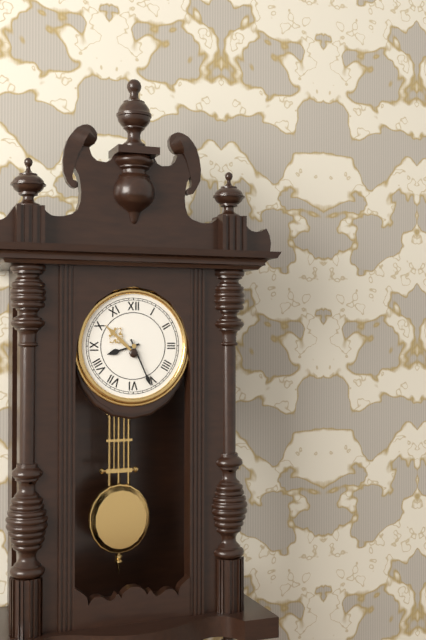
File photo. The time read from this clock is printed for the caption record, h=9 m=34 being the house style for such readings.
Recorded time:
h=8 m=26
